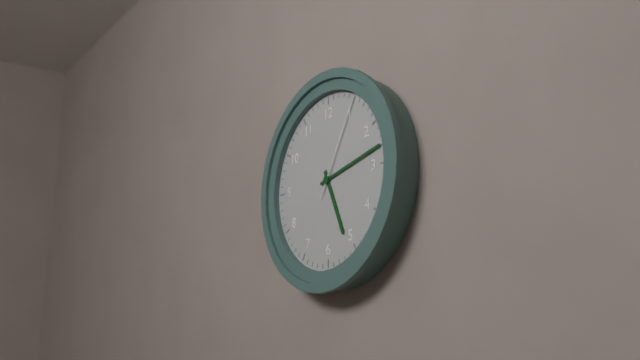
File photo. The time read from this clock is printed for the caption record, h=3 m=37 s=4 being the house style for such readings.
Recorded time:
h=5 m=13 s=5
